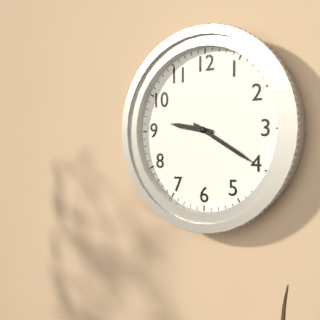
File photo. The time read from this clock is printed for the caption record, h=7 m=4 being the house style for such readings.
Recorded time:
h=9 m=20
